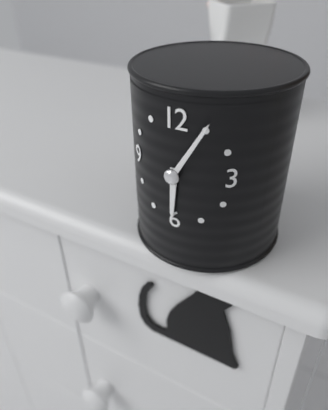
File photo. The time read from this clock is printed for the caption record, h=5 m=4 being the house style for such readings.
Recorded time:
h=6 m=5
